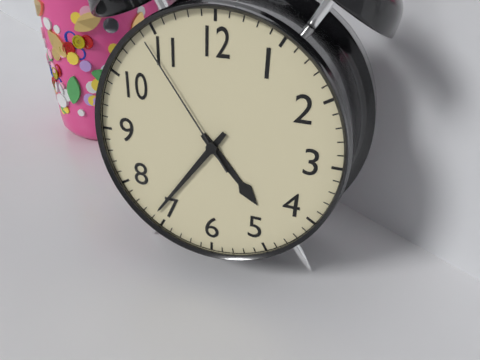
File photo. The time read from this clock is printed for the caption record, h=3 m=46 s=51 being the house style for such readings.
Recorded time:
h=4 m=36 s=54
